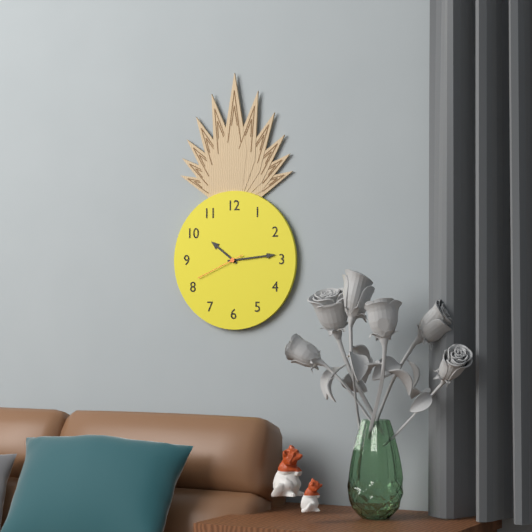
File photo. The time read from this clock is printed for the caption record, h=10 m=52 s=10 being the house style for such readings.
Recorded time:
h=10 m=14 s=41
